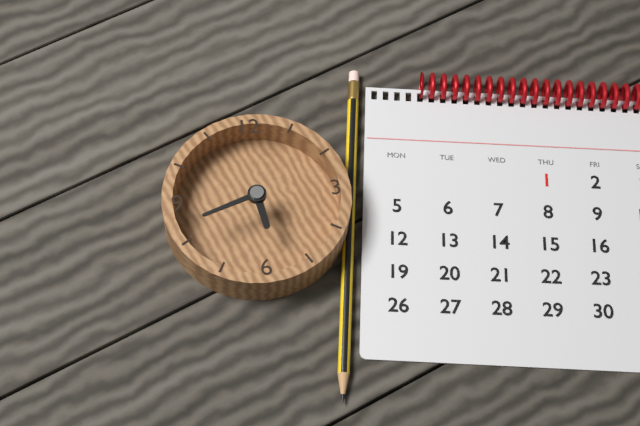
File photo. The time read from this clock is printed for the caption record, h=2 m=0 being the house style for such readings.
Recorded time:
h=5 m=42
